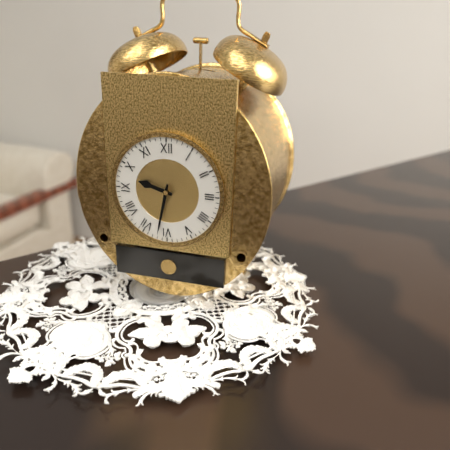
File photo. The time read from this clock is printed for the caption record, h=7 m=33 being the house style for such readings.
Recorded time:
h=9 m=32
